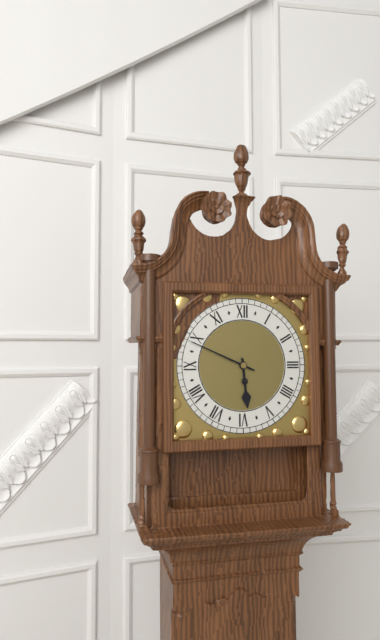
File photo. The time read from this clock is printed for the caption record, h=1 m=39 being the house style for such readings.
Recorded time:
h=5 m=49
